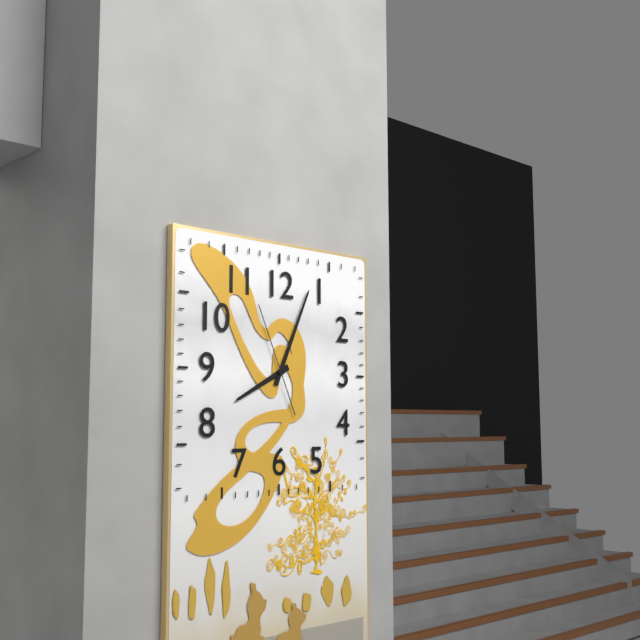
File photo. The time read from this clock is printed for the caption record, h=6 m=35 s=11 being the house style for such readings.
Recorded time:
h=8 m=4 s=56
